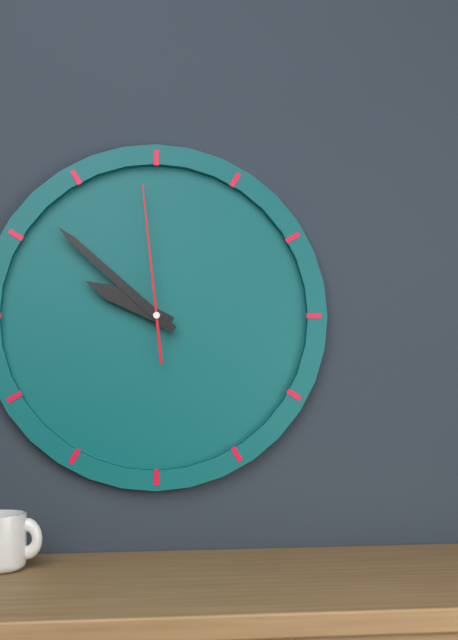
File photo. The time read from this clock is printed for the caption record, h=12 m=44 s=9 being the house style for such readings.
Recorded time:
h=9 m=52 s=59
